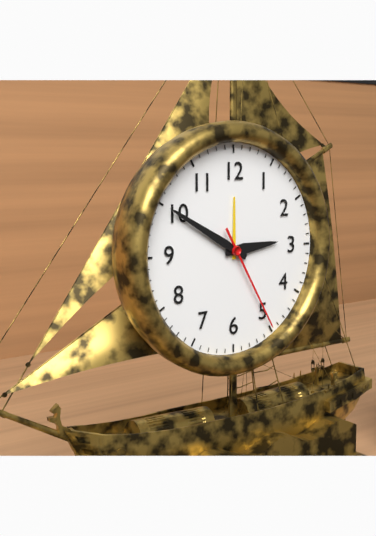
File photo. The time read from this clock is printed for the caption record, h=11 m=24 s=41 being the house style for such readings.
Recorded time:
h=2 m=50 s=25
